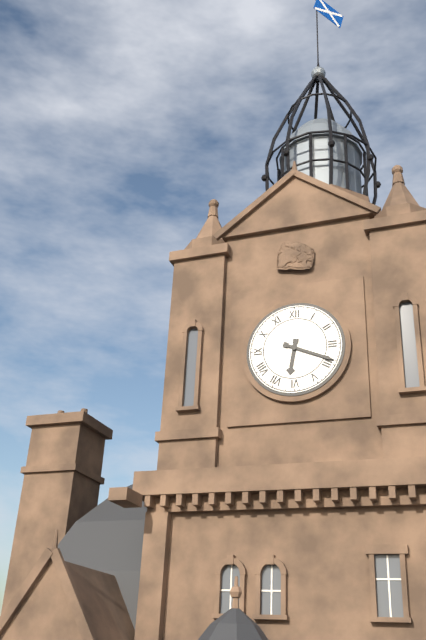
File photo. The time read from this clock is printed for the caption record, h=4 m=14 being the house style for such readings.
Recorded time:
h=6 m=19
